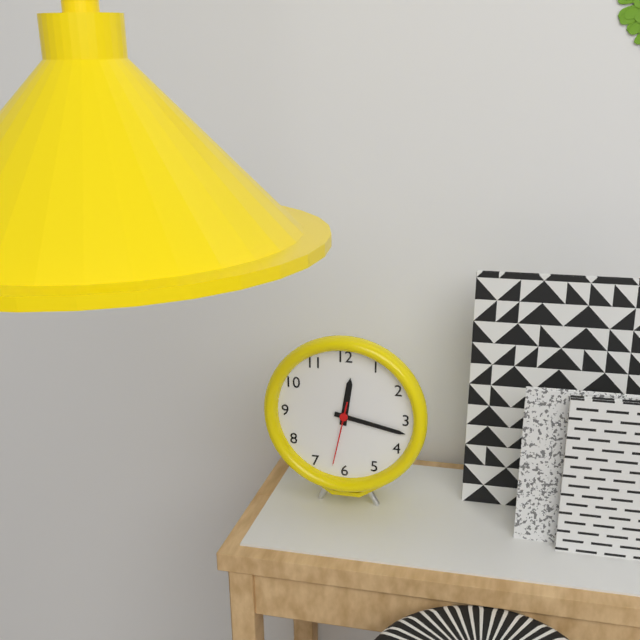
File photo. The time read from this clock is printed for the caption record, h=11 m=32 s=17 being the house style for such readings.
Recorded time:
h=12 m=17 s=32
